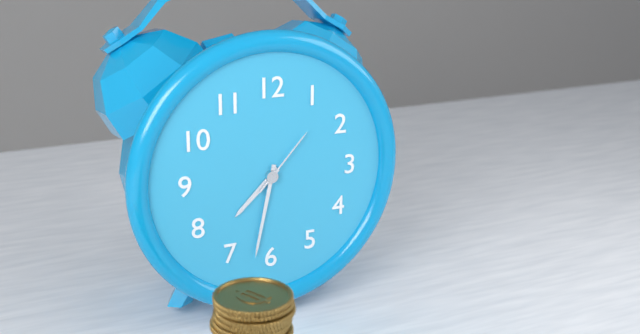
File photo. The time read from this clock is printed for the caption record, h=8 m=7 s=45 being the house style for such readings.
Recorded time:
h=7 m=32 s=7
